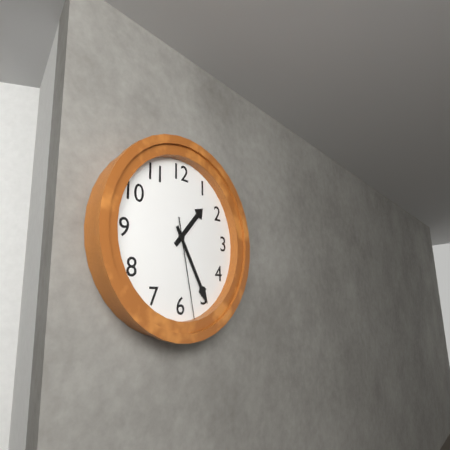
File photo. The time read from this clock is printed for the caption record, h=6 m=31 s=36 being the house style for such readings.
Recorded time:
h=1 m=25 s=28
